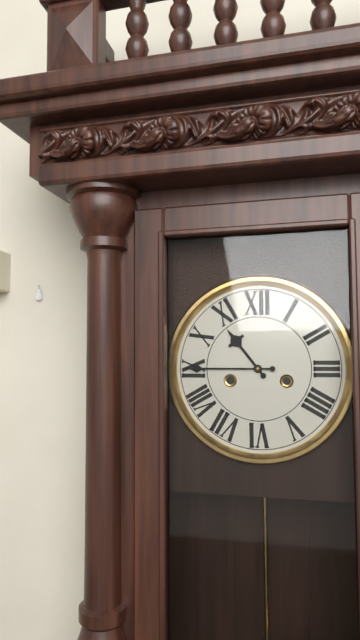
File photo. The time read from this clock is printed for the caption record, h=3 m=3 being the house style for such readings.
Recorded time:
h=10 m=45
